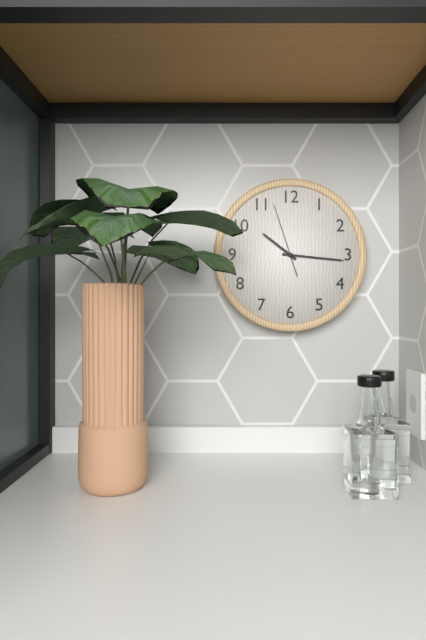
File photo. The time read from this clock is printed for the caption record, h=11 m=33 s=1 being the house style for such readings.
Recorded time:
h=10 m=16 s=57
